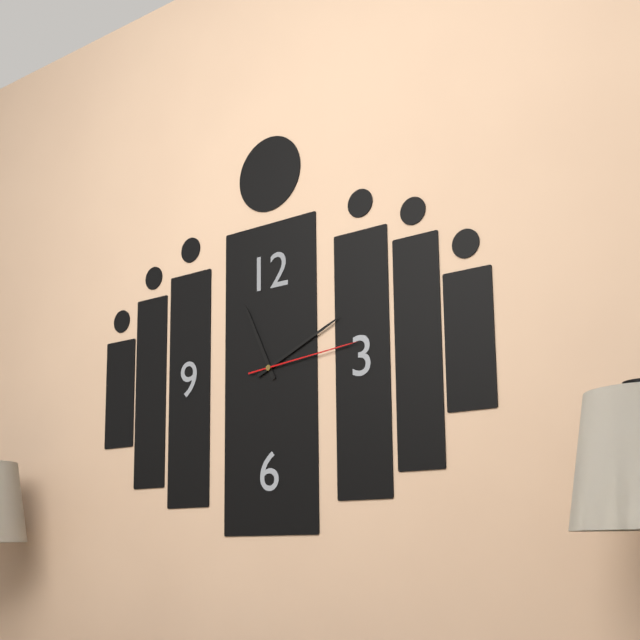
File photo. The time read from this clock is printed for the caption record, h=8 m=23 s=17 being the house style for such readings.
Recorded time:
h=11 m=11 s=14
